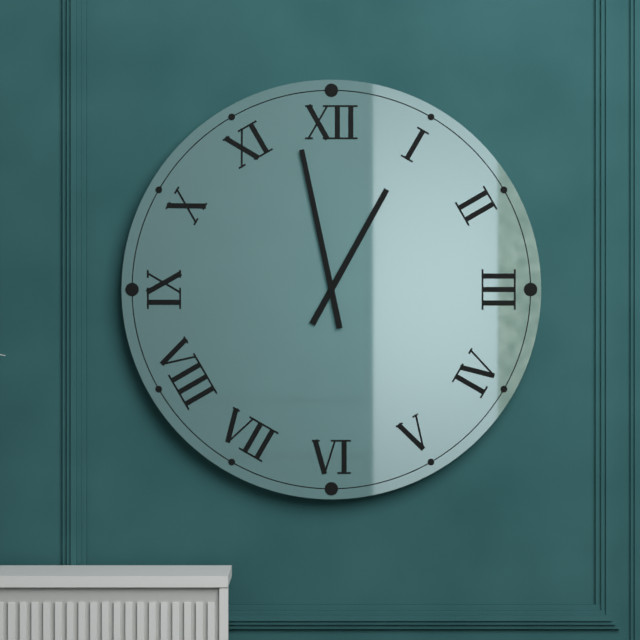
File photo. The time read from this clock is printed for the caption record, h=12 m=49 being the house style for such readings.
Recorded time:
h=12 m=58
